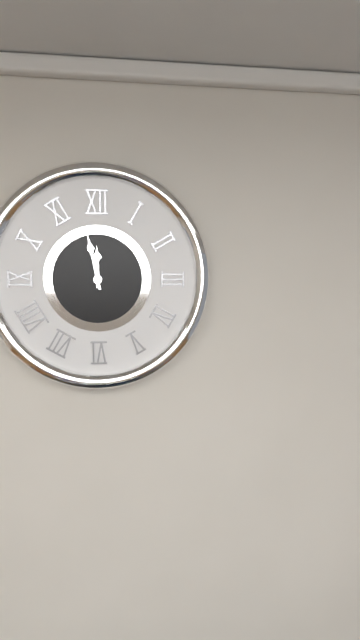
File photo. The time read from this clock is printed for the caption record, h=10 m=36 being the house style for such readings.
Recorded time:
h=11 m=58
